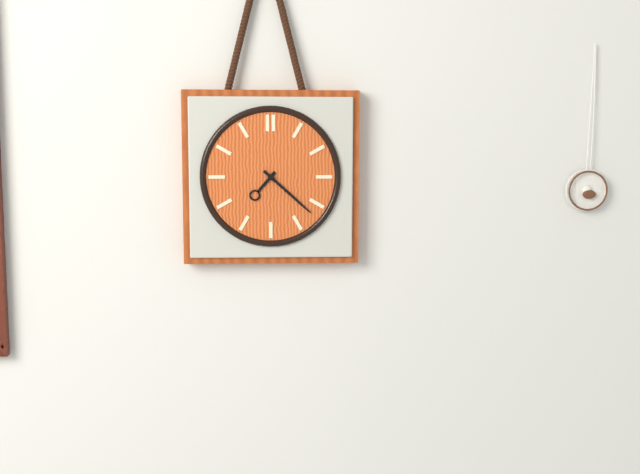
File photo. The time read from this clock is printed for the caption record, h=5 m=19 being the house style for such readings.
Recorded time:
h=7 m=22
